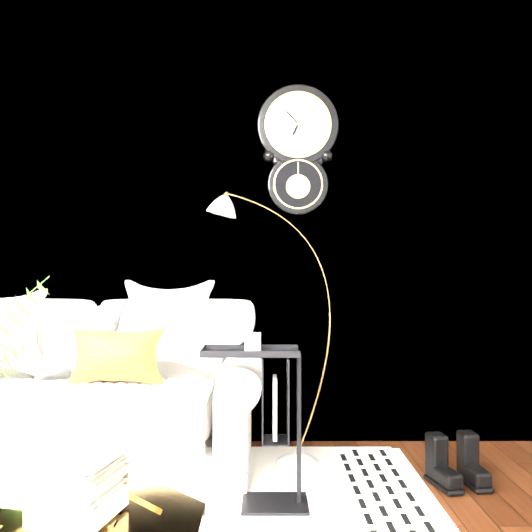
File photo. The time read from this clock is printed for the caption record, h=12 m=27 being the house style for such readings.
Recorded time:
h=6 m=53
